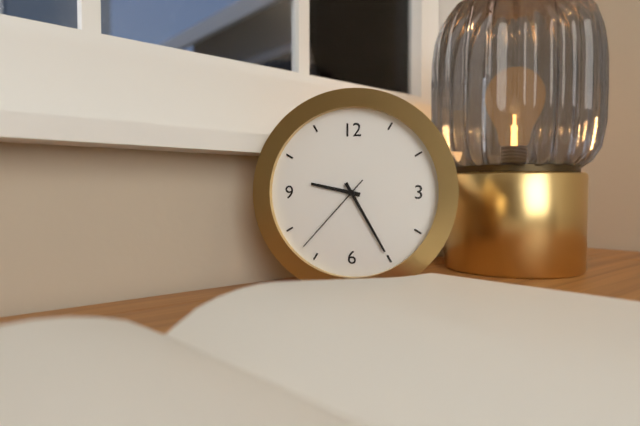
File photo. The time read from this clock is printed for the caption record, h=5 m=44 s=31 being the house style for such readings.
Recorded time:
h=9 m=25 s=37
